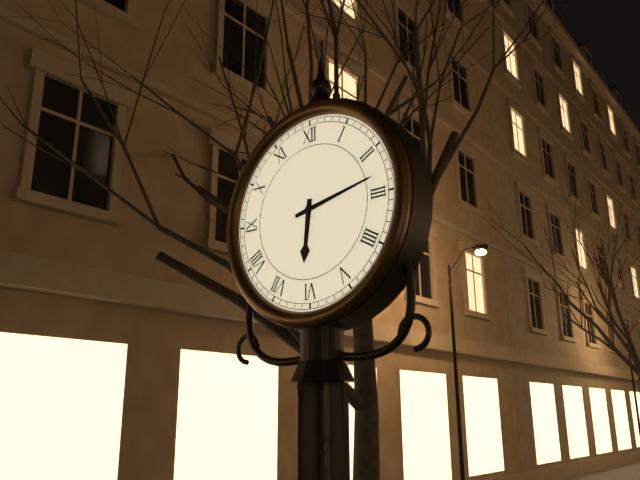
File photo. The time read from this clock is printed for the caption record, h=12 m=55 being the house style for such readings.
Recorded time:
h=6 m=13
